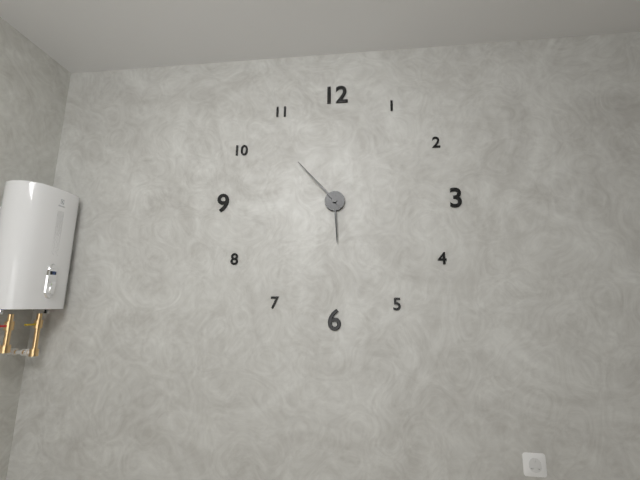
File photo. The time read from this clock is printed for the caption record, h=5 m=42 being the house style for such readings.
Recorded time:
h=5 m=53
